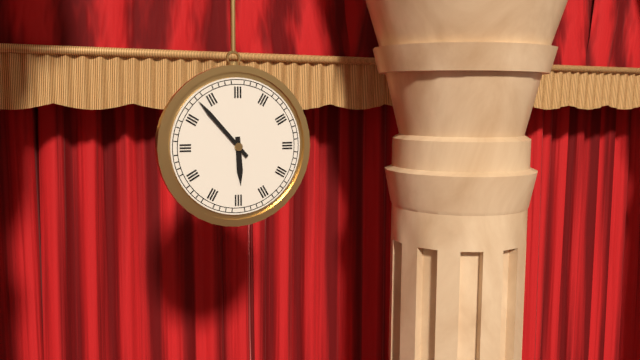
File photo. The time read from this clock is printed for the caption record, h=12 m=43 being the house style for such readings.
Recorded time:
h=5 m=53
